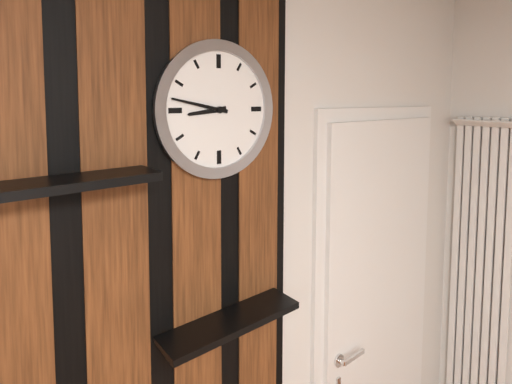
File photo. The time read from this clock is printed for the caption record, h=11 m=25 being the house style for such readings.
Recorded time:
h=8 m=47
